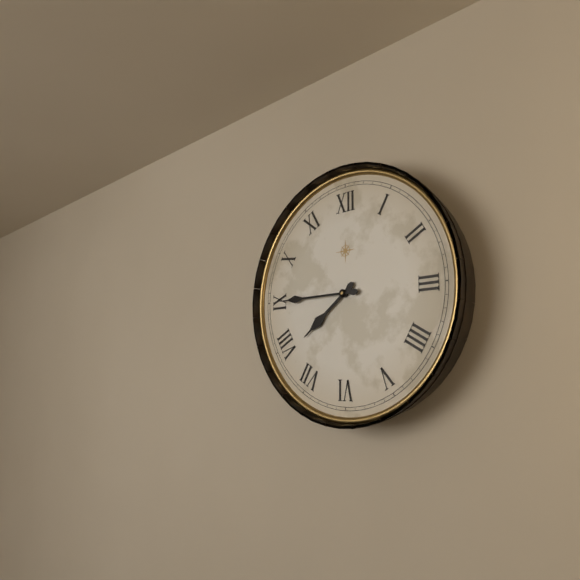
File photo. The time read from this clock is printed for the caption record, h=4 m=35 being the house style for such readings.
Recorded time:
h=7 m=45
